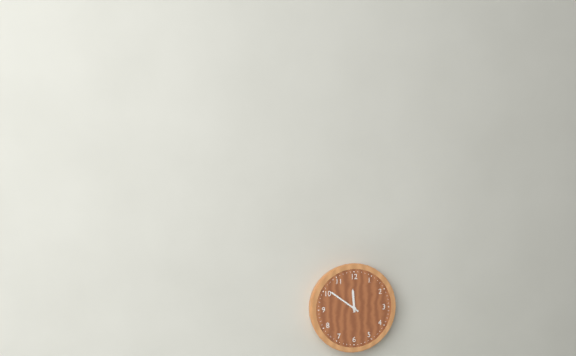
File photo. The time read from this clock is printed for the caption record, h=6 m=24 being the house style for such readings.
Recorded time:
h=11 m=51
